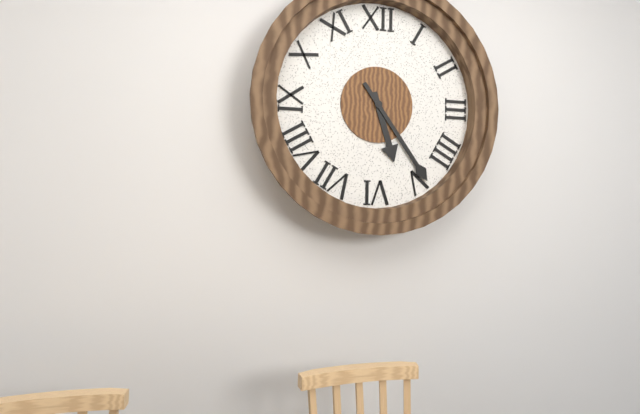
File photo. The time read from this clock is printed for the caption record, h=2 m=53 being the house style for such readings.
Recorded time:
h=5 m=24
